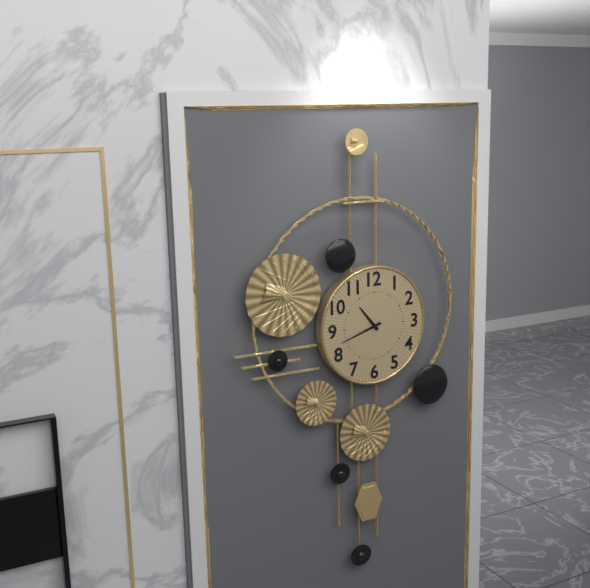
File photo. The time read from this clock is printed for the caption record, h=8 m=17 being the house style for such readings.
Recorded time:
h=10 m=42
